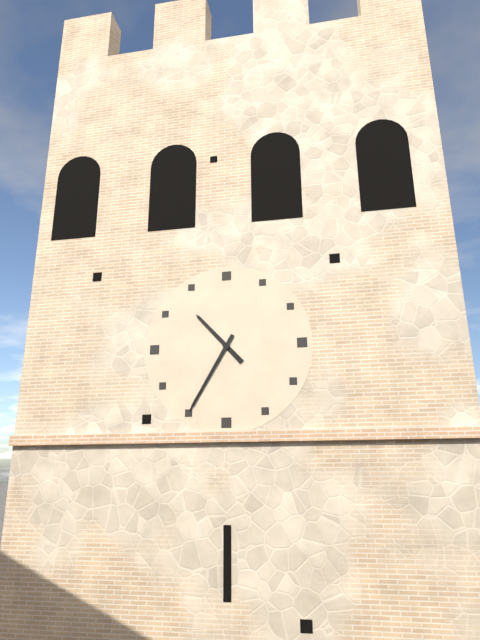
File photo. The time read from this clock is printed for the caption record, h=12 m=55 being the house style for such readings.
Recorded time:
h=10 m=35
